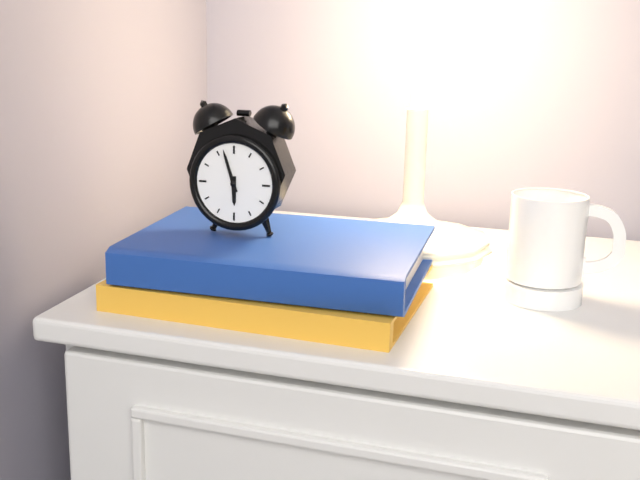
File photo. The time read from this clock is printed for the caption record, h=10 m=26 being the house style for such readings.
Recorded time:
h=5 m=57
